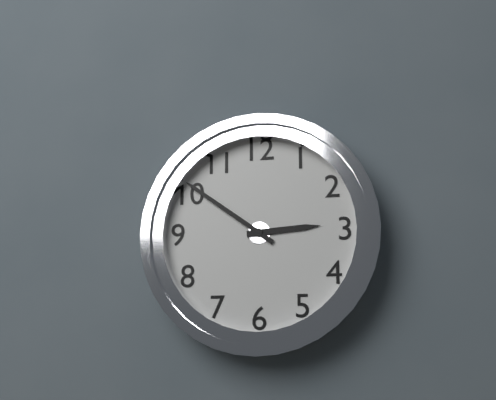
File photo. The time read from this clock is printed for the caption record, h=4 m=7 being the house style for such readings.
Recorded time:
h=2 m=51
